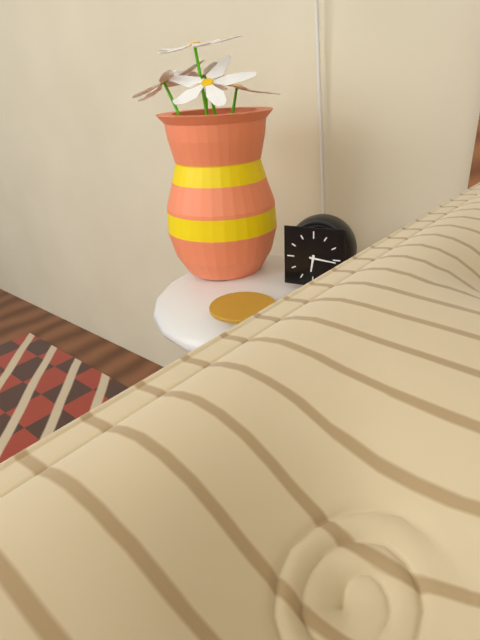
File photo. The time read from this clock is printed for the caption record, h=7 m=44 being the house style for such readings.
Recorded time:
h=6 m=16
